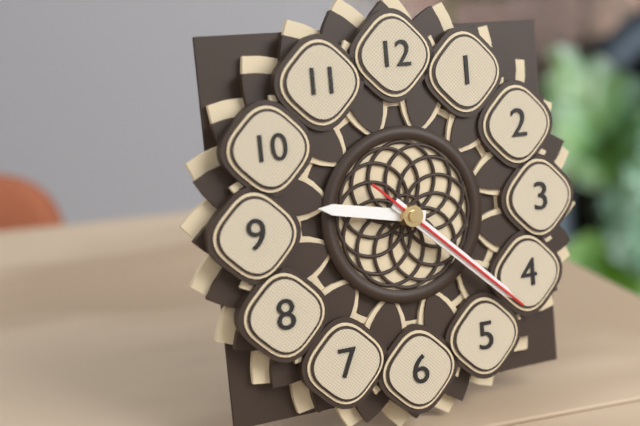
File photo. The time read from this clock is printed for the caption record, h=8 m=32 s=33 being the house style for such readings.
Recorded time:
h=9 m=22 s=22
